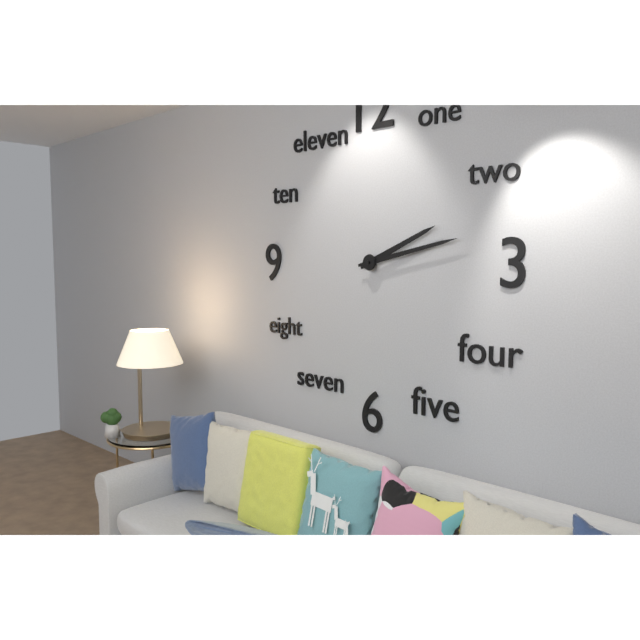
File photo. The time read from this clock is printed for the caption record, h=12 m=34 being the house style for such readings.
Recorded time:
h=2 m=13
